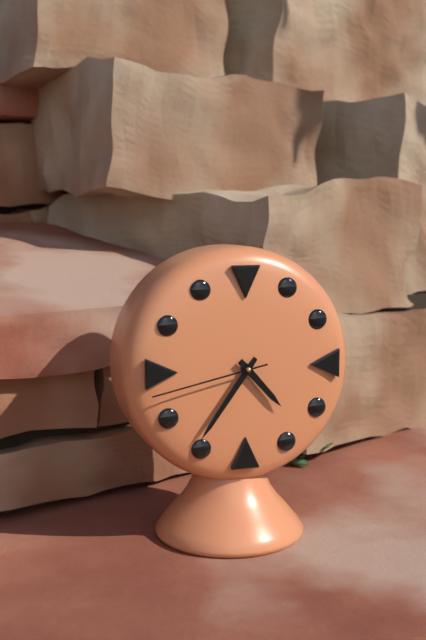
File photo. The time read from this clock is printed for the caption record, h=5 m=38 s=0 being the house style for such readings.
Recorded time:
h=4 m=36 s=43
